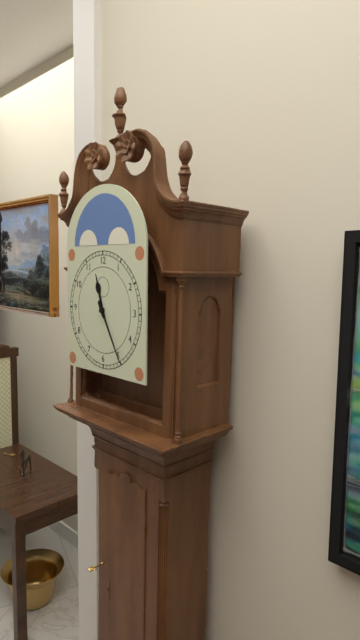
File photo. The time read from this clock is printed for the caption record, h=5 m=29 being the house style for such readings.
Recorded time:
h=11 m=25
